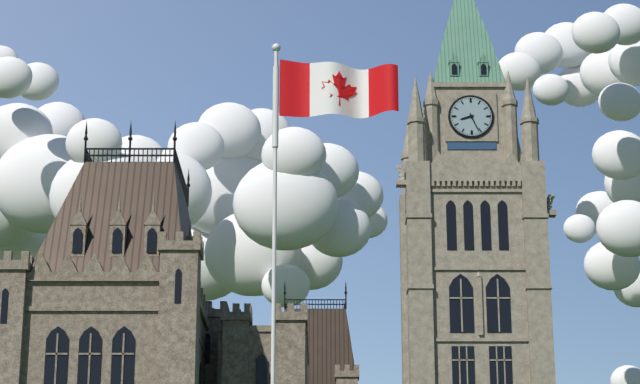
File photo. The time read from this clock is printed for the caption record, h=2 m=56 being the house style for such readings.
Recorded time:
h=8 m=26
